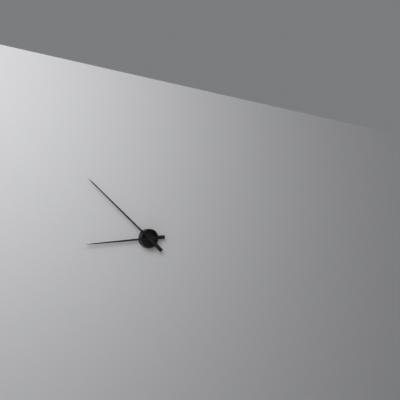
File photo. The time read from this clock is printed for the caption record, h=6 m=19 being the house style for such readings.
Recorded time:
h=8 m=52
